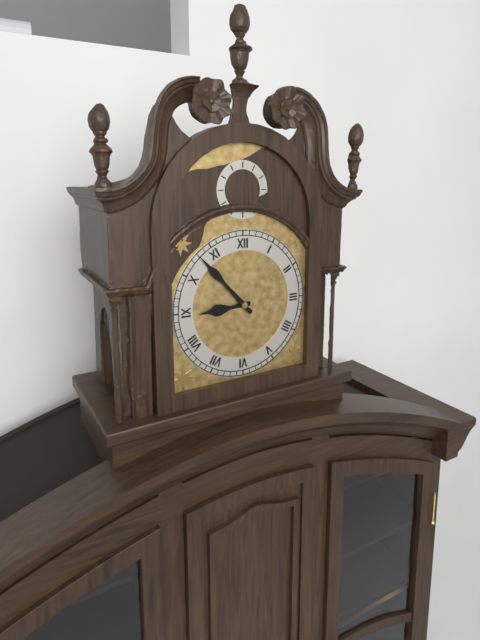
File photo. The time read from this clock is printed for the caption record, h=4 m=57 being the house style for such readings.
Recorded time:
h=8 m=53
